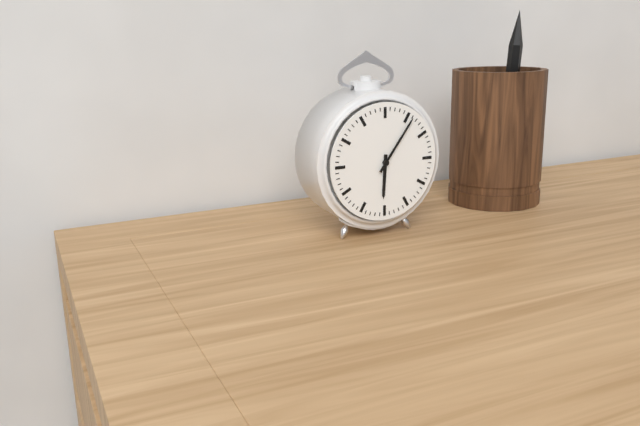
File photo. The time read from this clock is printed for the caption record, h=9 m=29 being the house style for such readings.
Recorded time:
h=6 m=6
